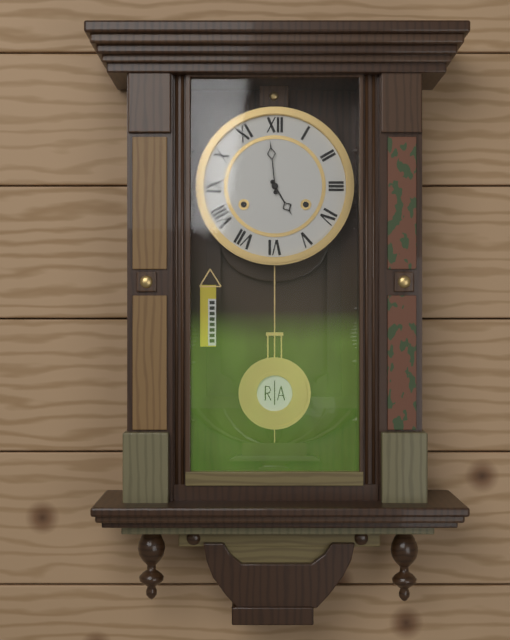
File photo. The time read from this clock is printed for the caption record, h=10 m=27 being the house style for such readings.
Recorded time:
h=4 m=59
